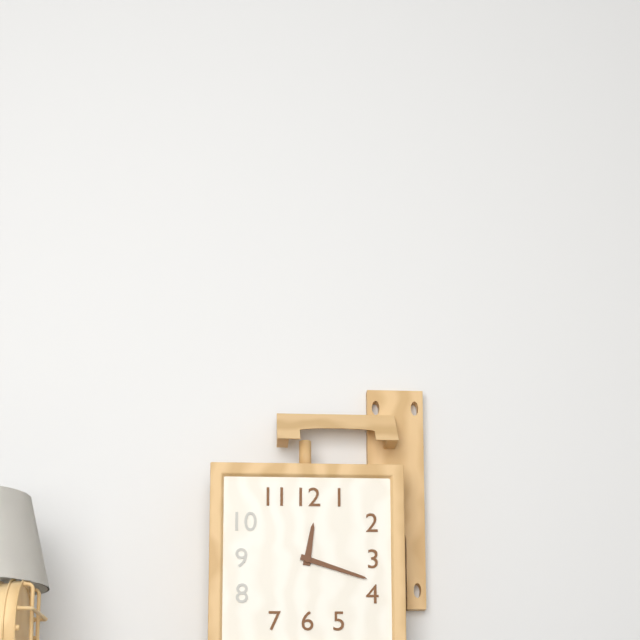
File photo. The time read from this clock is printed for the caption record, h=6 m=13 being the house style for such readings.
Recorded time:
h=12 m=18
